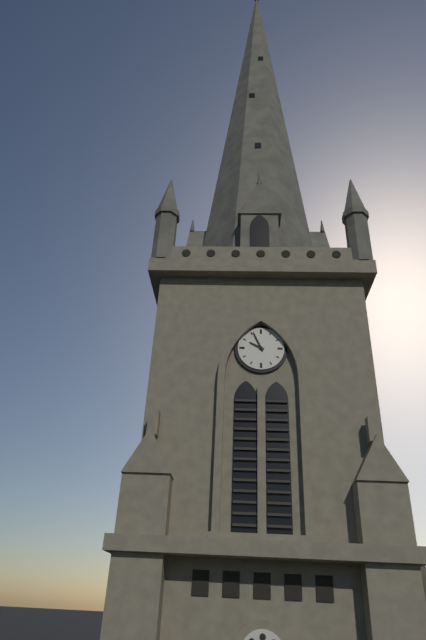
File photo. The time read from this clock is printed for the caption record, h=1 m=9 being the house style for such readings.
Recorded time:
h=9 m=56
